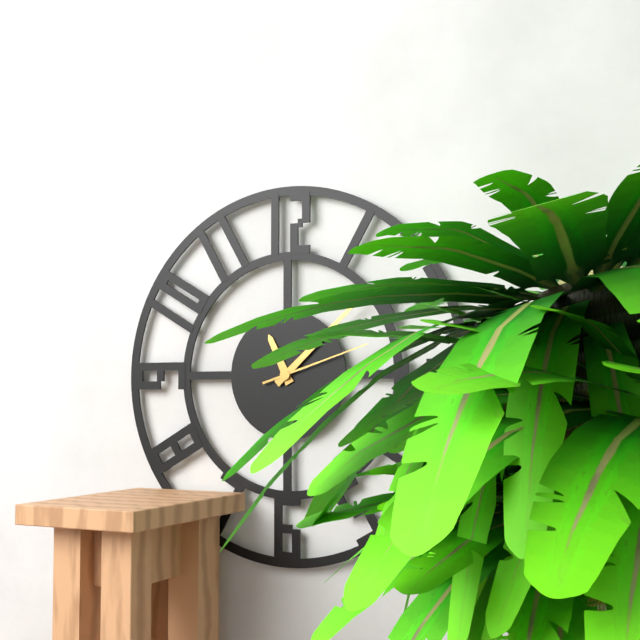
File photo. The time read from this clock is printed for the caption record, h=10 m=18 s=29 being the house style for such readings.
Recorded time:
h=11 m=8 s=12
